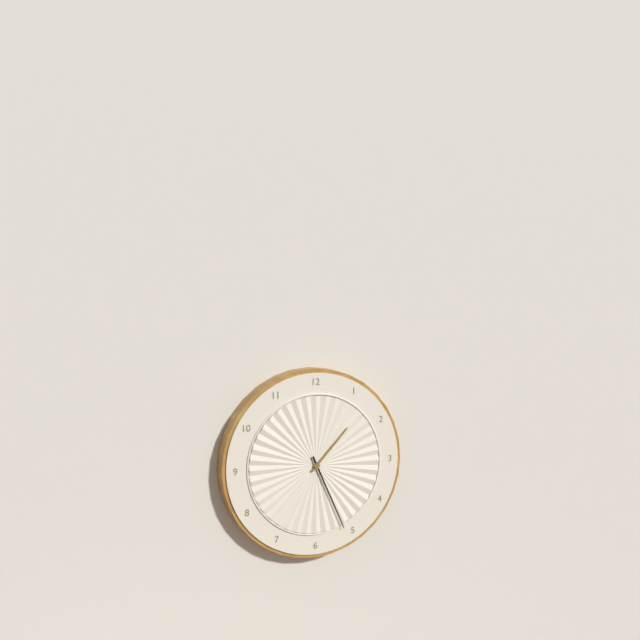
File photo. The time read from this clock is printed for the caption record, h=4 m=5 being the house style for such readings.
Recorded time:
h=1 m=26
